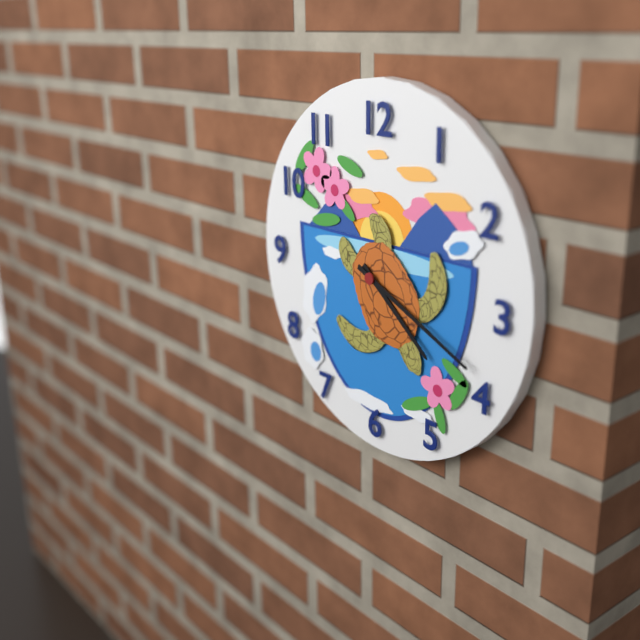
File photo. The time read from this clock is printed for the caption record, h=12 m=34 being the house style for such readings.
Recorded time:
h=4 m=19
